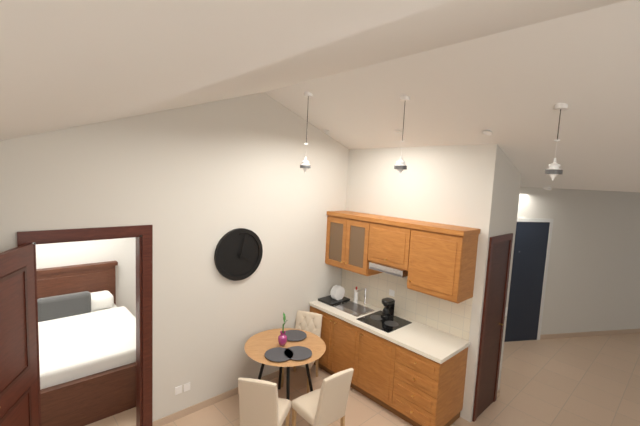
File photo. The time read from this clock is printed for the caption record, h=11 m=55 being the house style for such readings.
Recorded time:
h=4 m=2
